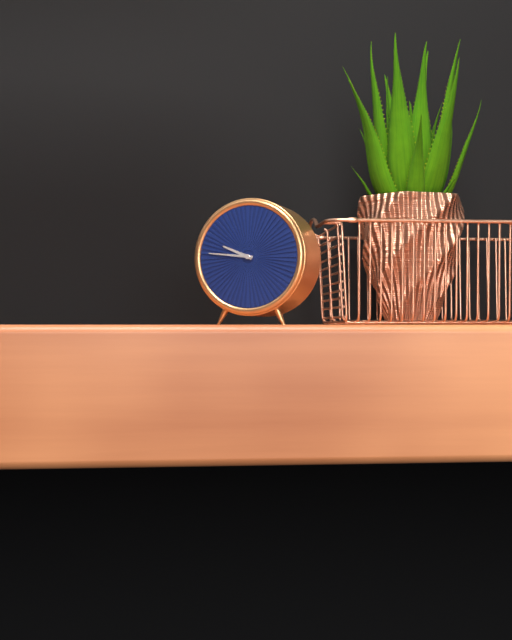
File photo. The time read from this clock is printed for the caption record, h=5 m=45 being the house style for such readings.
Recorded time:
h=9 m=46
